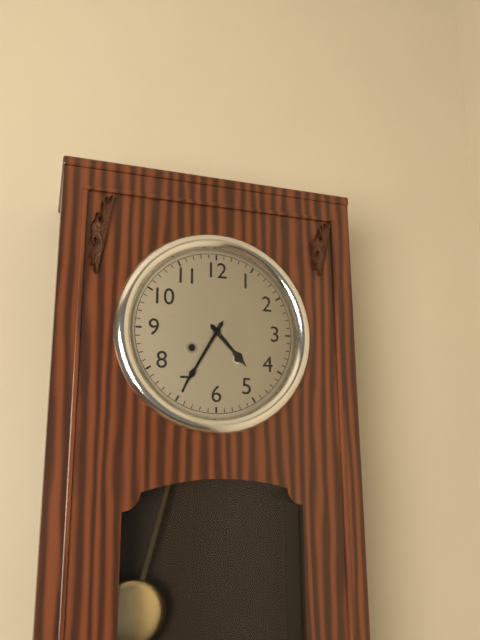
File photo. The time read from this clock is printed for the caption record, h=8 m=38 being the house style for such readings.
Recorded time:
h=4 m=35
